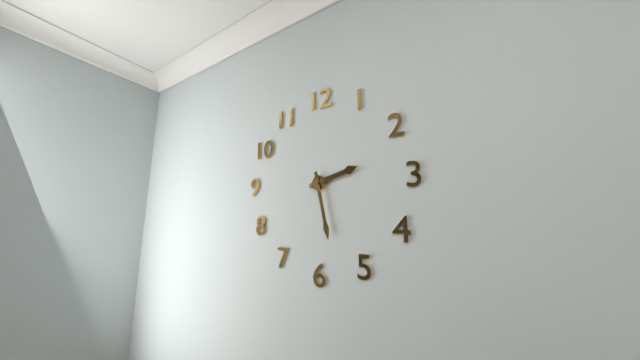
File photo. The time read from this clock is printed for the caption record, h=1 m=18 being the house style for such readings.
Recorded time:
h=2 m=28
